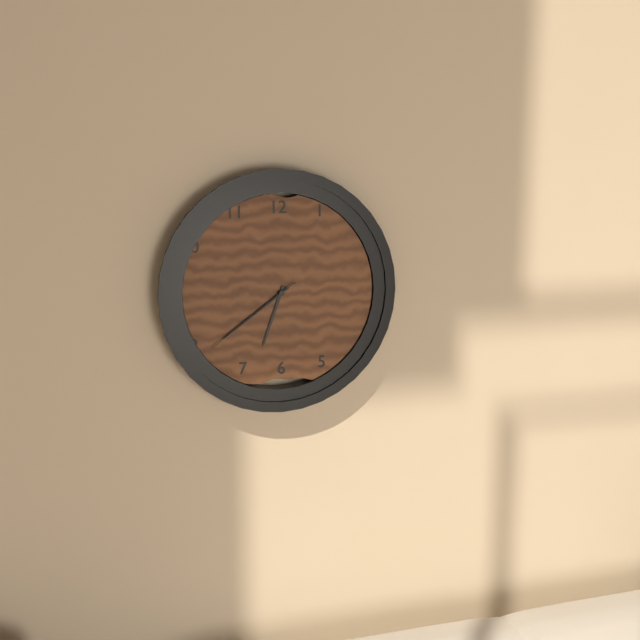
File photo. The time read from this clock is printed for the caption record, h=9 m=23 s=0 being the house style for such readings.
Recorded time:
h=6 m=39 s=39
